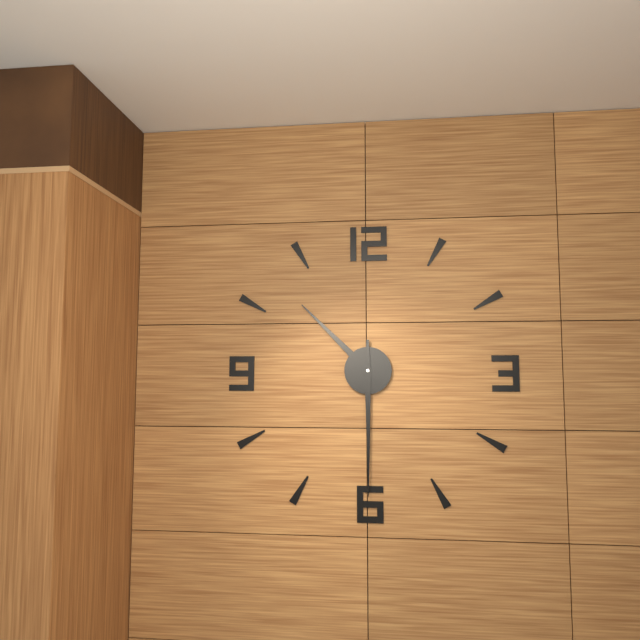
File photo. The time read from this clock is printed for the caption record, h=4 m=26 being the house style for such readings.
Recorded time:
h=10 m=30
